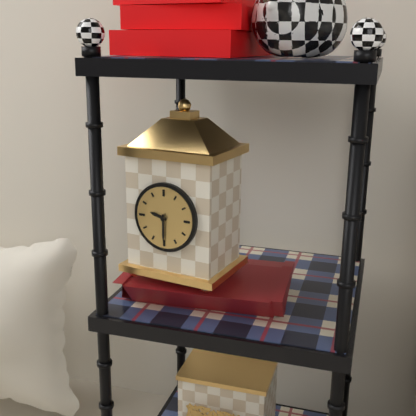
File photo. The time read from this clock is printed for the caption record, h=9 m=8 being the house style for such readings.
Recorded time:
h=9 m=30
